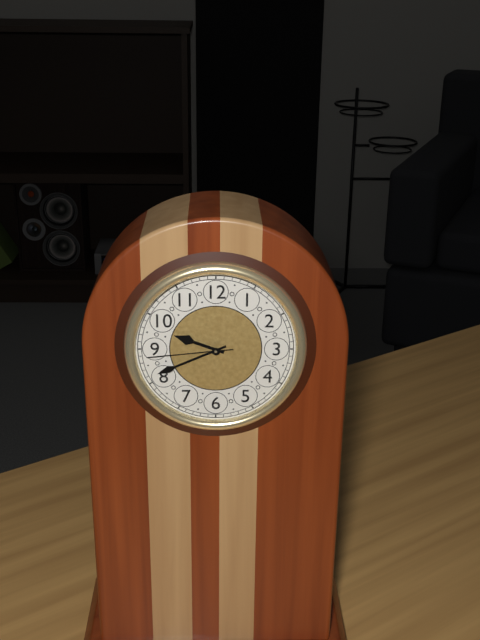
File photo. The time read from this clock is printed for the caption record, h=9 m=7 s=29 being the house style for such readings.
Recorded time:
h=9 m=41 s=44
